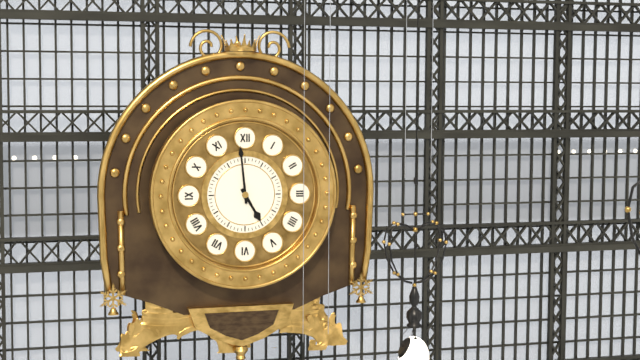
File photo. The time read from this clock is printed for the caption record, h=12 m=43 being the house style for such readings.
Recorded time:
h=4 m=59
